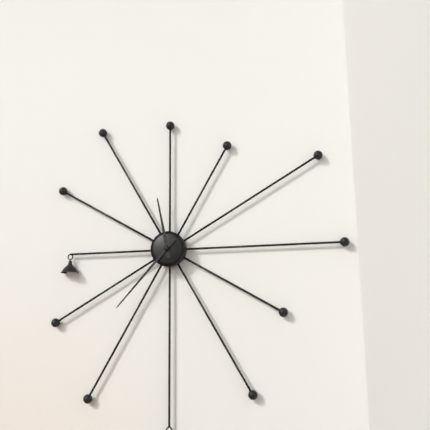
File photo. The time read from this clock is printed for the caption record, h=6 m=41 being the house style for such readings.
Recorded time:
h=11 m=37
